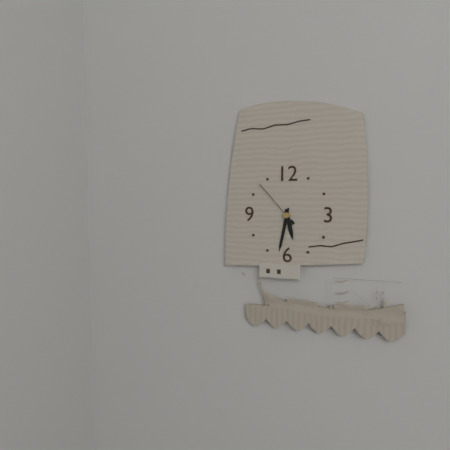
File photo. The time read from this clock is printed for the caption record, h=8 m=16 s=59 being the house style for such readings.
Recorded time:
h=5 m=32 s=53
